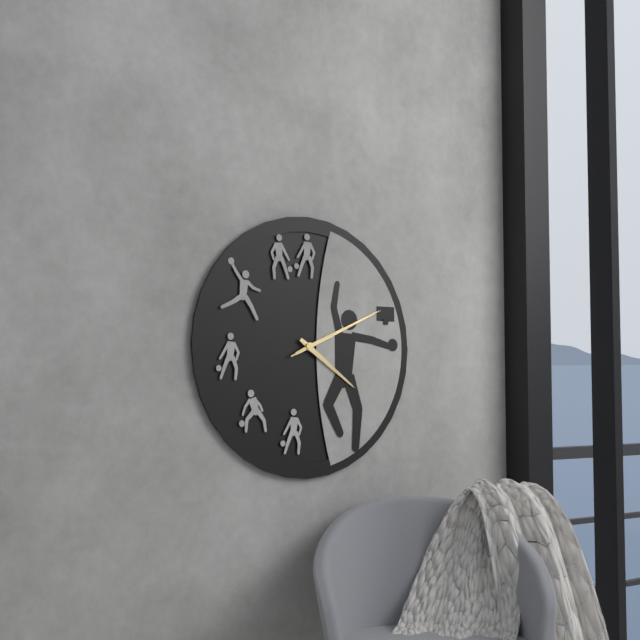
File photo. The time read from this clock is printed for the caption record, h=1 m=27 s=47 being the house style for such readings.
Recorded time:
h=4 m=11 s=11
